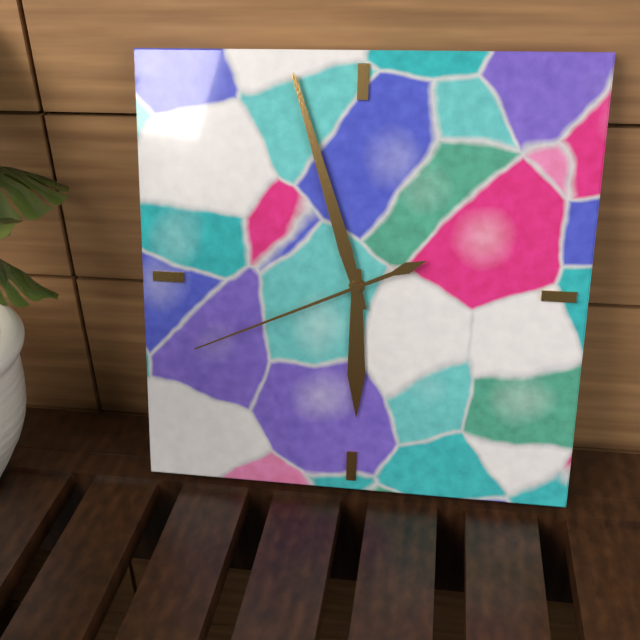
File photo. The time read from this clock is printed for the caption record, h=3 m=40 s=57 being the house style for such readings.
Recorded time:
h=5 m=57 s=41
